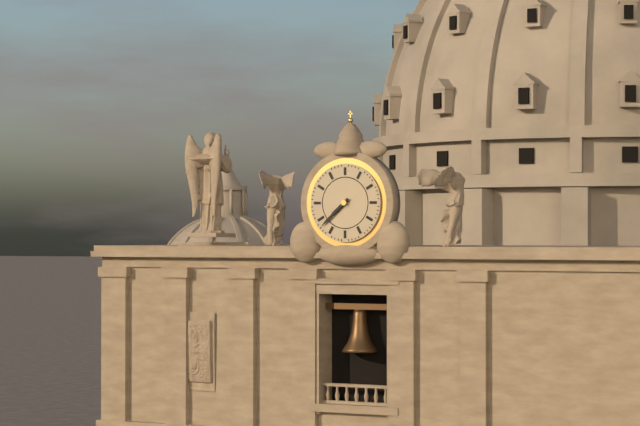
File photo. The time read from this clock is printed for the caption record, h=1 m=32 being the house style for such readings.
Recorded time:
h=7 m=38
